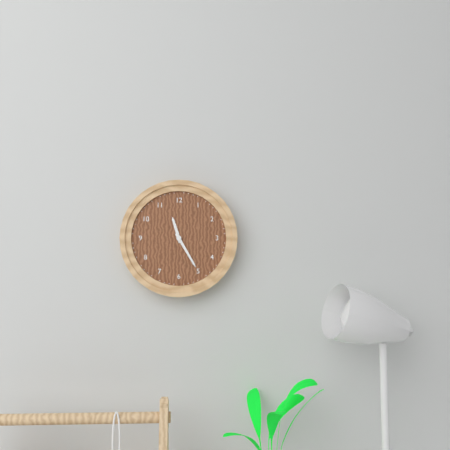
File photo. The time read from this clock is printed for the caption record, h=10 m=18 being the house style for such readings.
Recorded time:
h=11 m=25
